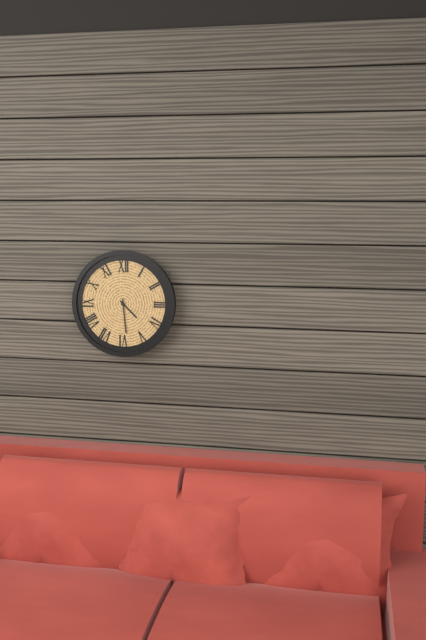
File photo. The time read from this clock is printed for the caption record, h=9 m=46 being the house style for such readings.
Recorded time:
h=4 m=29
